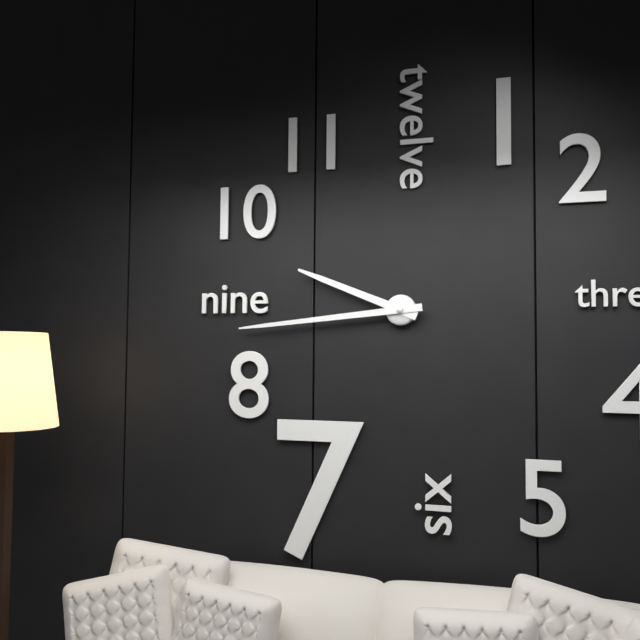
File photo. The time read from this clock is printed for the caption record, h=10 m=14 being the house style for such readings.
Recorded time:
h=9 m=44
